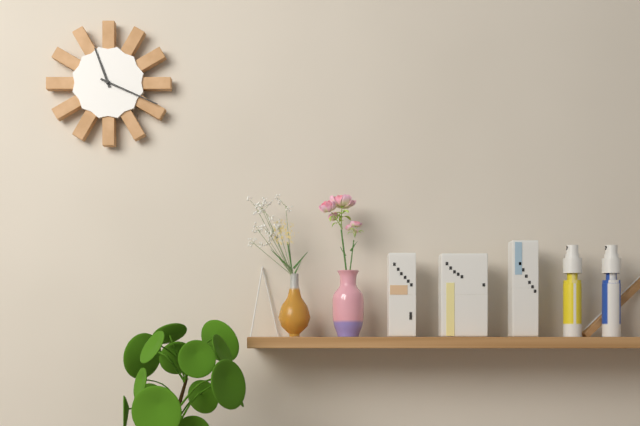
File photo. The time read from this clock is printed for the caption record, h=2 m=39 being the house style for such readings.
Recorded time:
h=11 m=19
